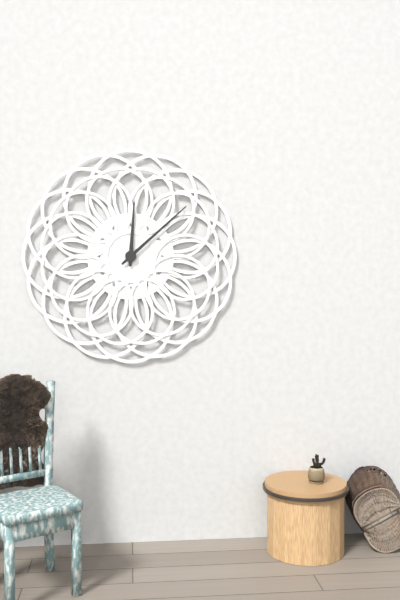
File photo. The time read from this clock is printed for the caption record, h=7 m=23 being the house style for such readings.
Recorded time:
h=12 m=8
